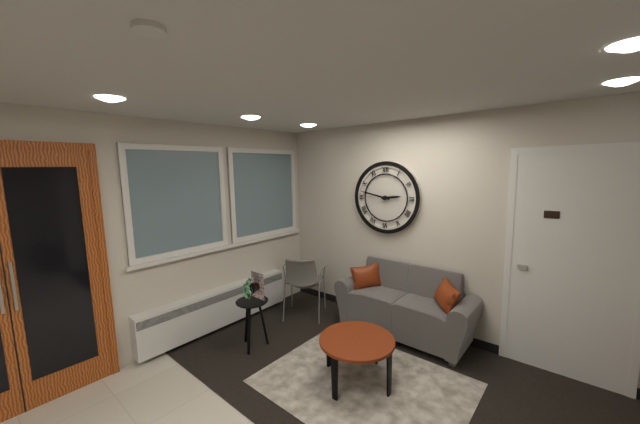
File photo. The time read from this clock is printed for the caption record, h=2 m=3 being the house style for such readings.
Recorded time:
h=2 m=47
